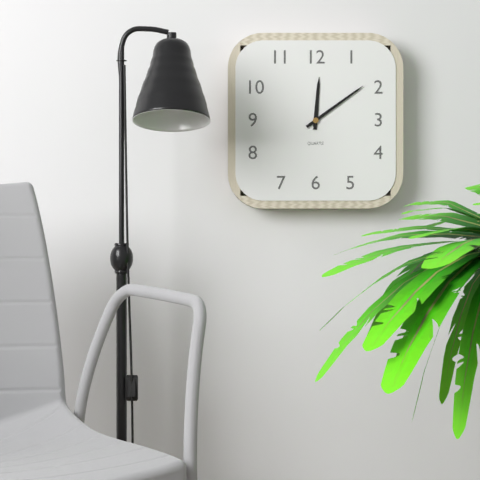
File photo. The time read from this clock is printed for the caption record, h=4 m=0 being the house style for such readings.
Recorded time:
h=12 m=9
